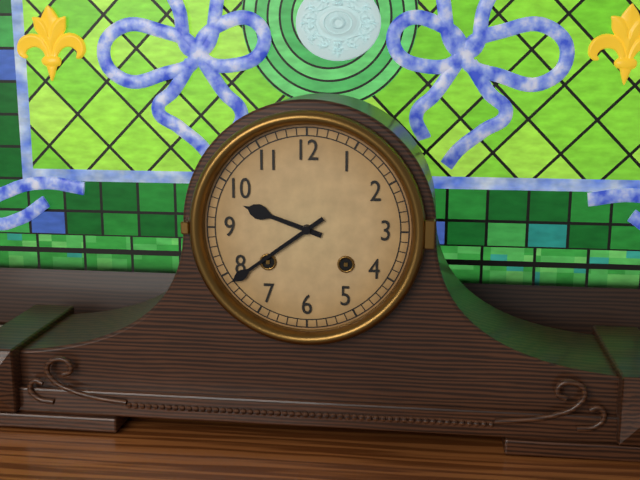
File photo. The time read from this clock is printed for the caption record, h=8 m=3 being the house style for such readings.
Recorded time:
h=9 m=39
